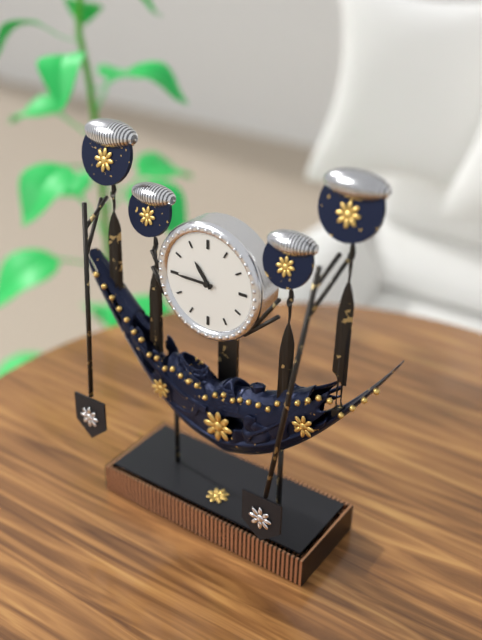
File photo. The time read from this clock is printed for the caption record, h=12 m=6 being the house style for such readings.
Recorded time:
h=10 m=45
